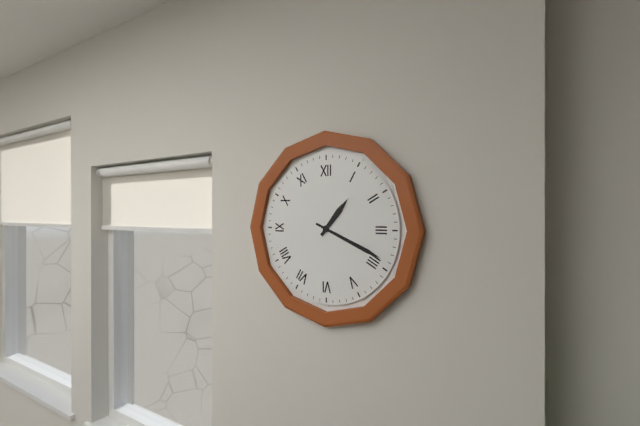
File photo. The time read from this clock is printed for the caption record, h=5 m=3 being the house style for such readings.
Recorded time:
h=1 m=19
